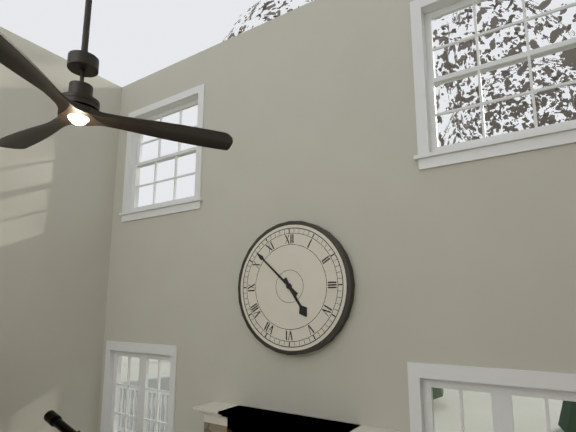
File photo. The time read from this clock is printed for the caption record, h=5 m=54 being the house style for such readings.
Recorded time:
h=4 m=52
